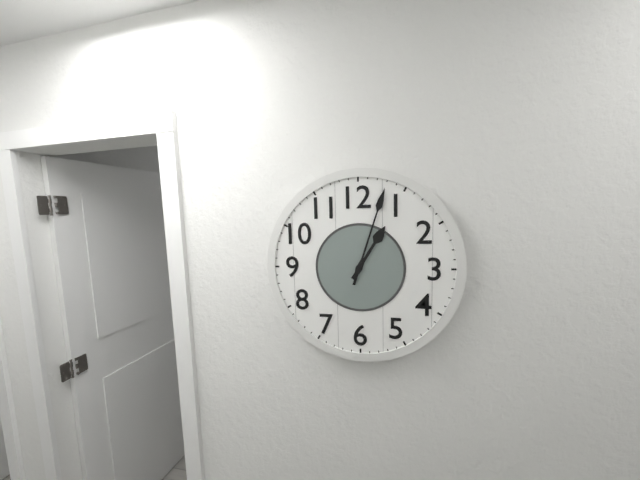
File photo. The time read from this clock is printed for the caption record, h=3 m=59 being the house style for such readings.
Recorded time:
h=1 m=3
